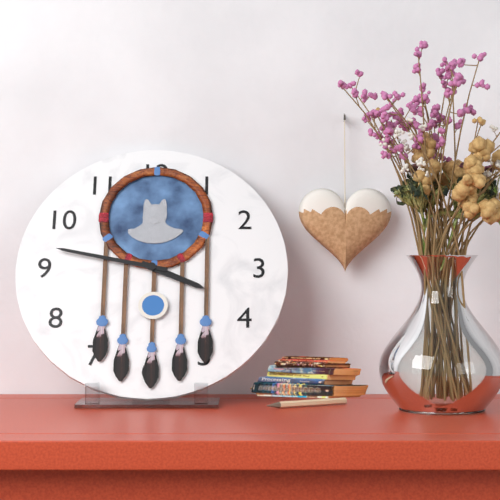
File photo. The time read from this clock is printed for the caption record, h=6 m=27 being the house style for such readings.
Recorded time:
h=3 m=47
